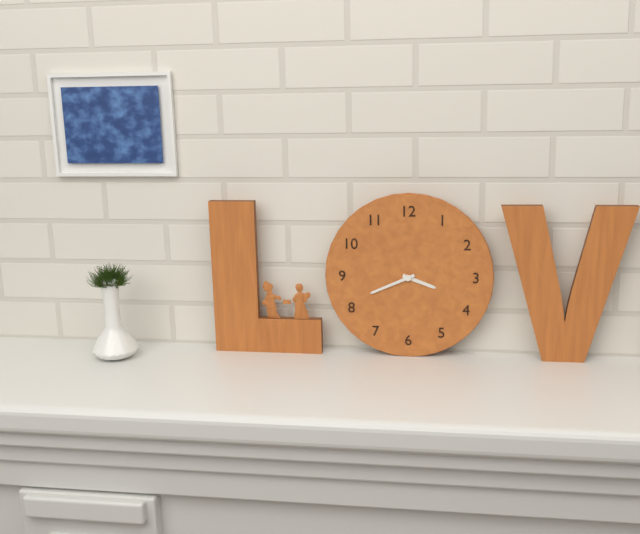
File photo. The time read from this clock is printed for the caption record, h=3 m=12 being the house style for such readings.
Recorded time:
h=3 m=41
